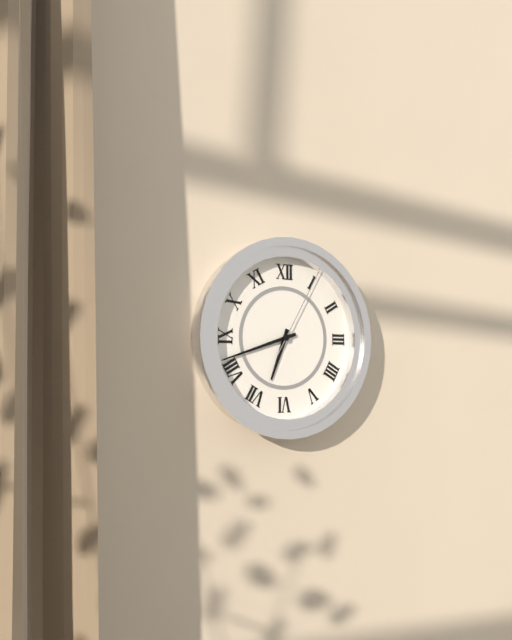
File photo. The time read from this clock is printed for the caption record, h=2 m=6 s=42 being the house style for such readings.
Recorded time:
h=6 m=42 s=5
